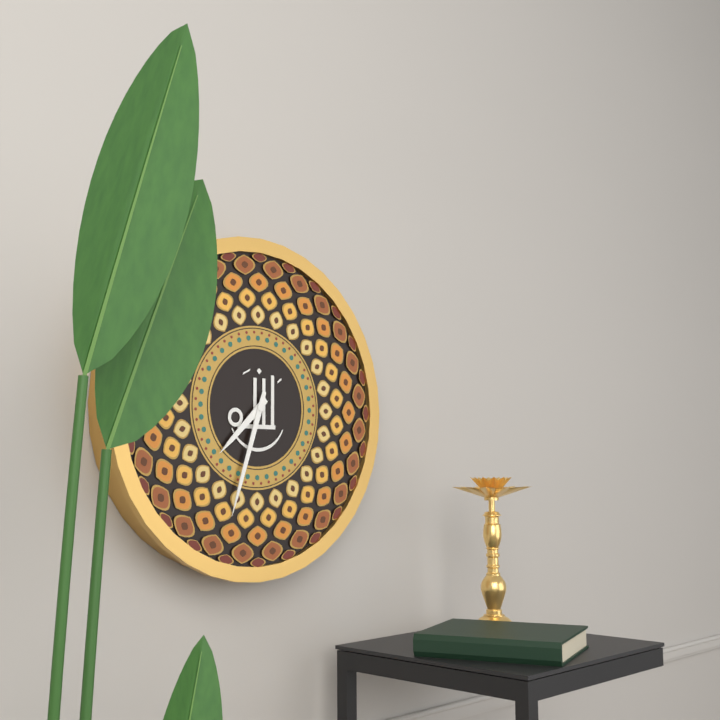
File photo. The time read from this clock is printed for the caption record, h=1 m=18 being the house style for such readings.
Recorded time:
h=7 m=33
